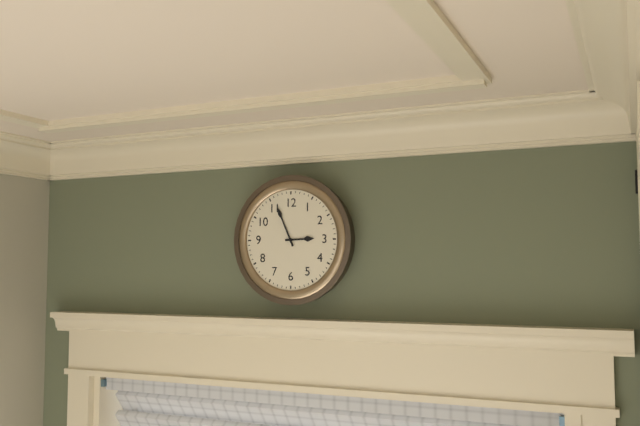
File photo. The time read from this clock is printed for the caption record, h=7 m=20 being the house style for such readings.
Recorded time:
h=2 m=56
